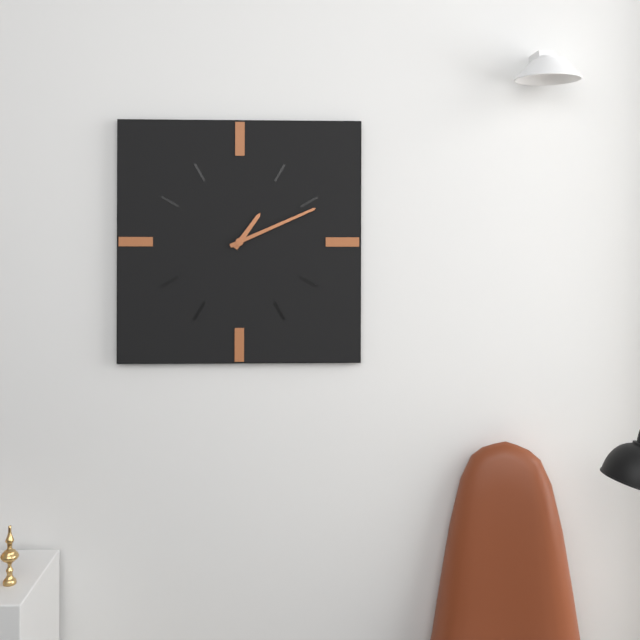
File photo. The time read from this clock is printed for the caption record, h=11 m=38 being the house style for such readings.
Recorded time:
h=1 m=11
